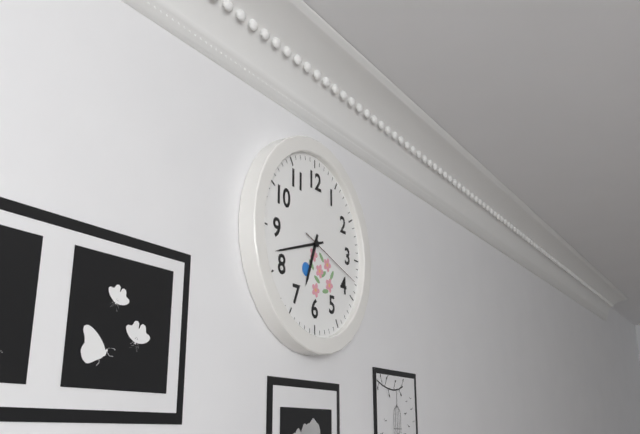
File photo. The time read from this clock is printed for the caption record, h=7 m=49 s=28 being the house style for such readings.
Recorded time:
h=6 m=42 s=18
